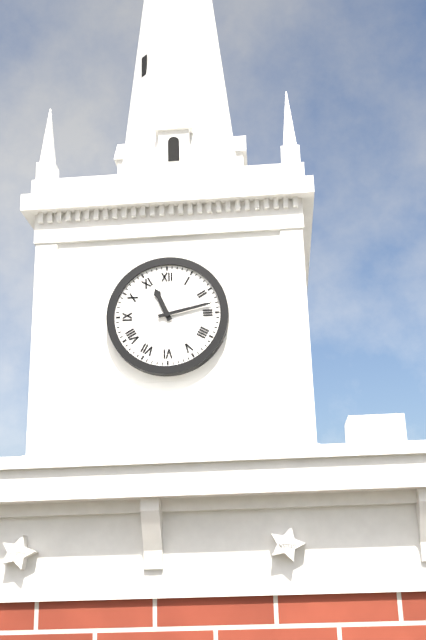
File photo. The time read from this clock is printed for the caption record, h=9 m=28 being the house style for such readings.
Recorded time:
h=11 m=13
